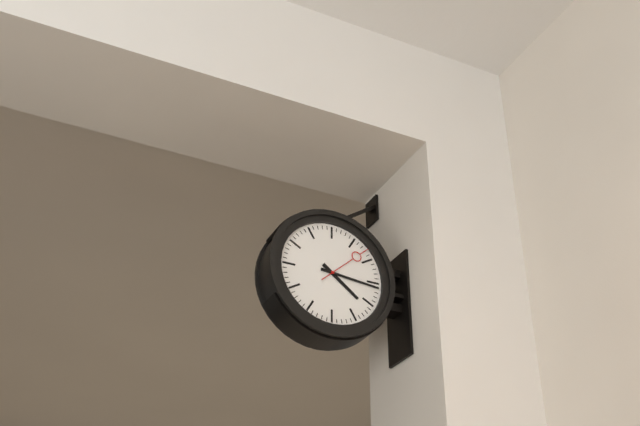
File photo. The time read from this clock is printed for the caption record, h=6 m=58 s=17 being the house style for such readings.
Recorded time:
h=4 m=16 s=8
